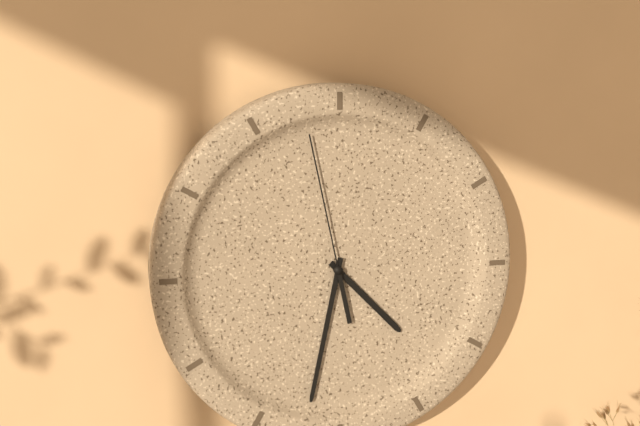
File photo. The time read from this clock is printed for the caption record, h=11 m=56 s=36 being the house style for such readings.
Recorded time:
h=4 m=32 s=58
